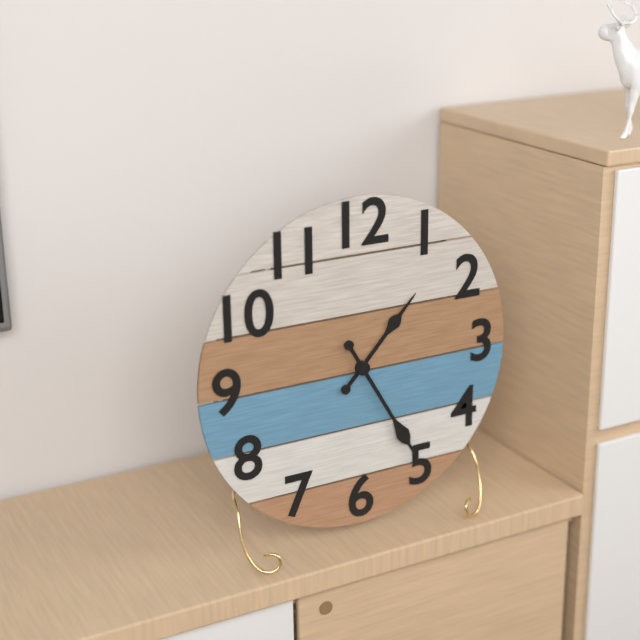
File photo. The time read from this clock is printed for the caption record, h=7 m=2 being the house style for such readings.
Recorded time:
h=1 m=25
